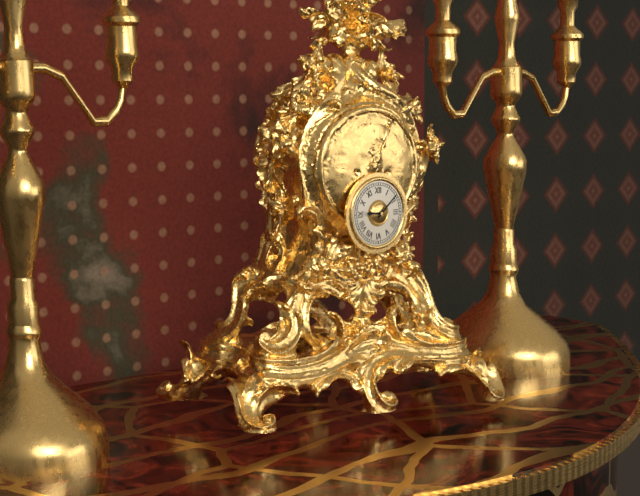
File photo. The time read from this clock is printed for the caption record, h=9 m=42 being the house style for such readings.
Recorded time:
h=9 m=8
